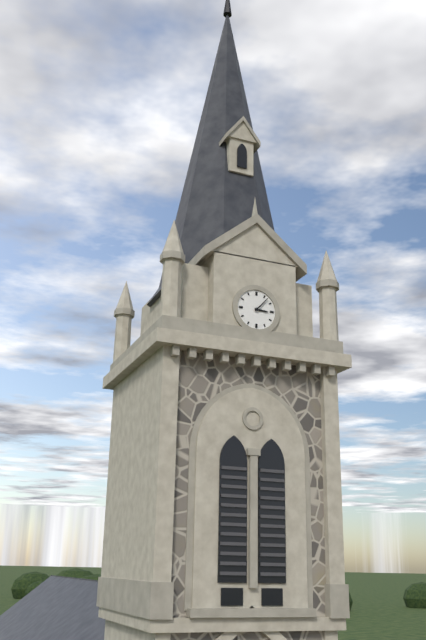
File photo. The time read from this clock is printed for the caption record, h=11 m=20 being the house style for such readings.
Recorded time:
h=3 m=7
